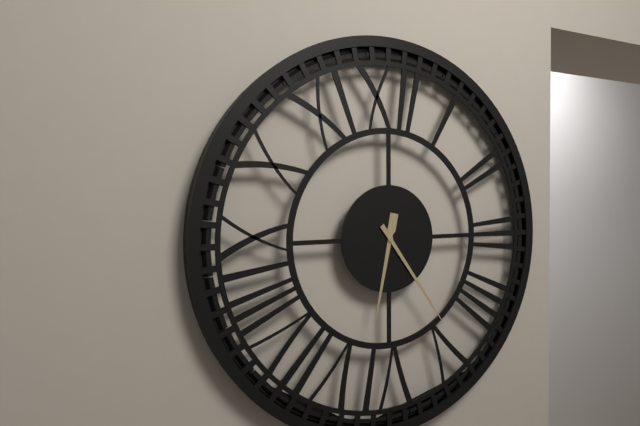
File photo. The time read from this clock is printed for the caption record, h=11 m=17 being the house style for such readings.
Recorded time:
h=6 m=24
